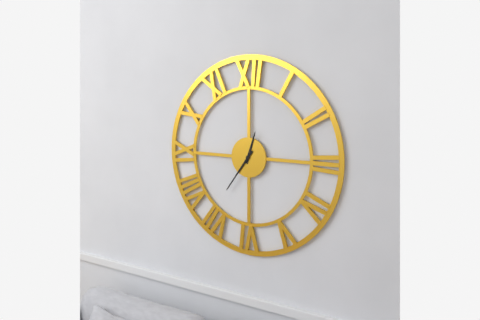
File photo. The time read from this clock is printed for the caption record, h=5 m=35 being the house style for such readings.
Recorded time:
h=12 m=36
